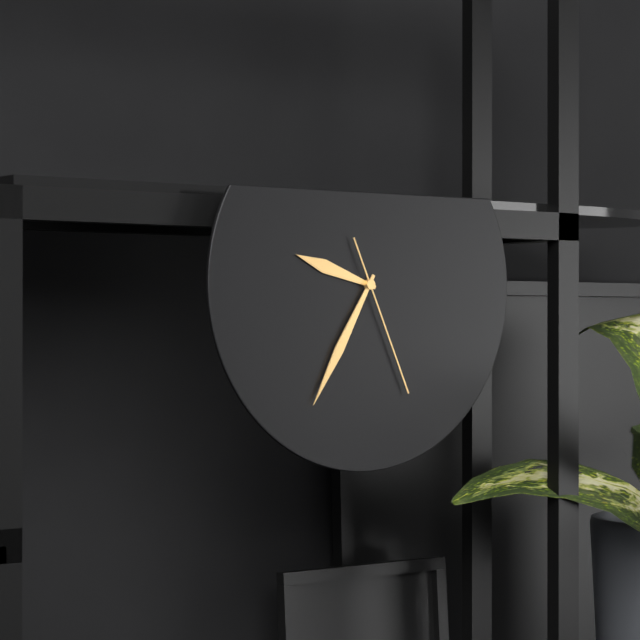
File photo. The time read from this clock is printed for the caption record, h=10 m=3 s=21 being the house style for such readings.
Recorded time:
h=9 m=35 s=26
